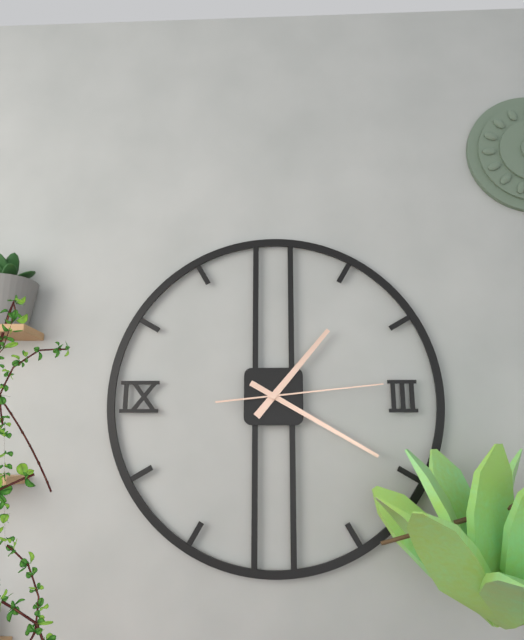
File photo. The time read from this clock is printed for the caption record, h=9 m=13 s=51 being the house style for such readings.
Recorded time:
h=1 m=20 s=14
